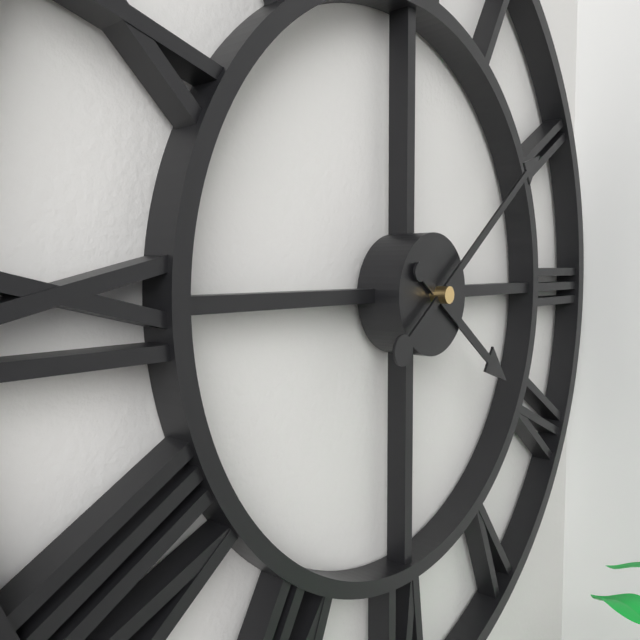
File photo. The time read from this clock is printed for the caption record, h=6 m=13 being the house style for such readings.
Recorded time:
h=4 m=9
